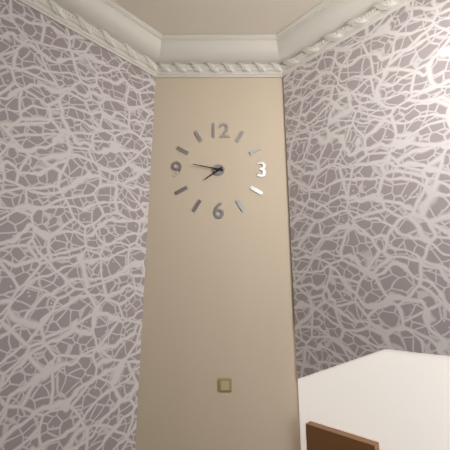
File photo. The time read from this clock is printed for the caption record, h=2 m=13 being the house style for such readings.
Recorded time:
h=7 m=47
